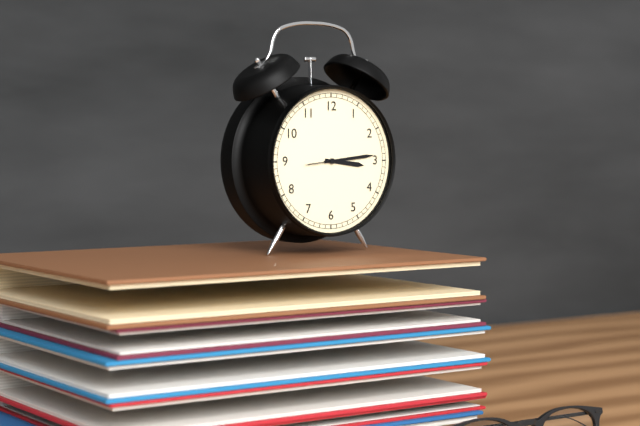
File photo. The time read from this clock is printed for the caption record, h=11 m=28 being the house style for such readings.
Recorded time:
h=3 m=14
